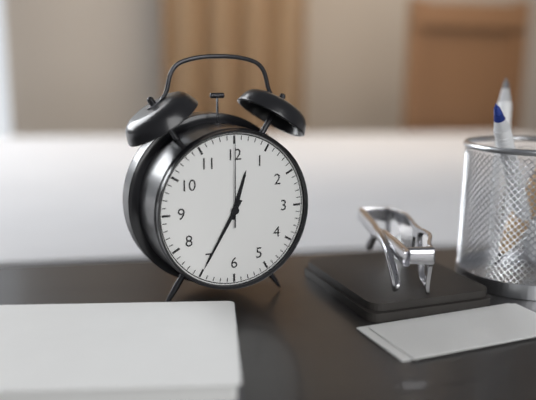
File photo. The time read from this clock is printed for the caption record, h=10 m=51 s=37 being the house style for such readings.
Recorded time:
h=12 m=35 s=0
